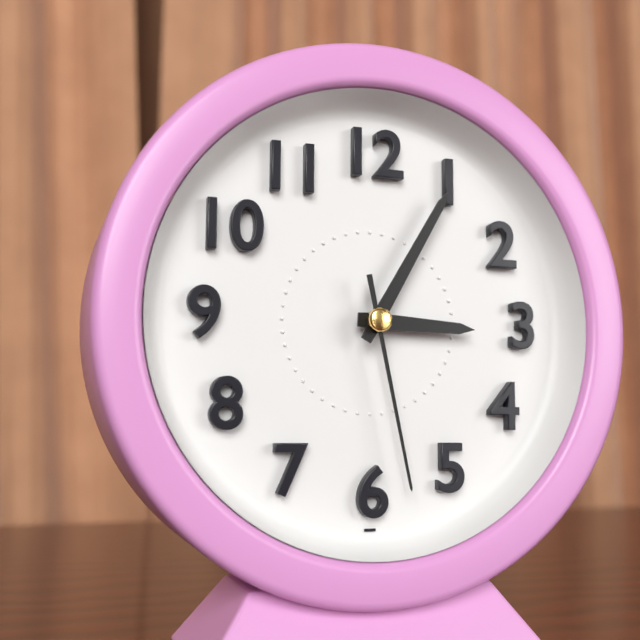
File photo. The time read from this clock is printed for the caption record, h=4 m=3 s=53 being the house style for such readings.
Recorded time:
h=3 m=5 s=28
